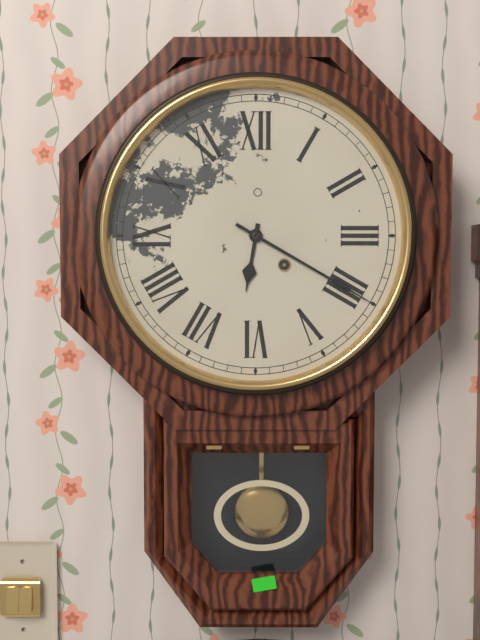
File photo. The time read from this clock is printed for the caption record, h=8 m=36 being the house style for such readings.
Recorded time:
h=6 m=20
